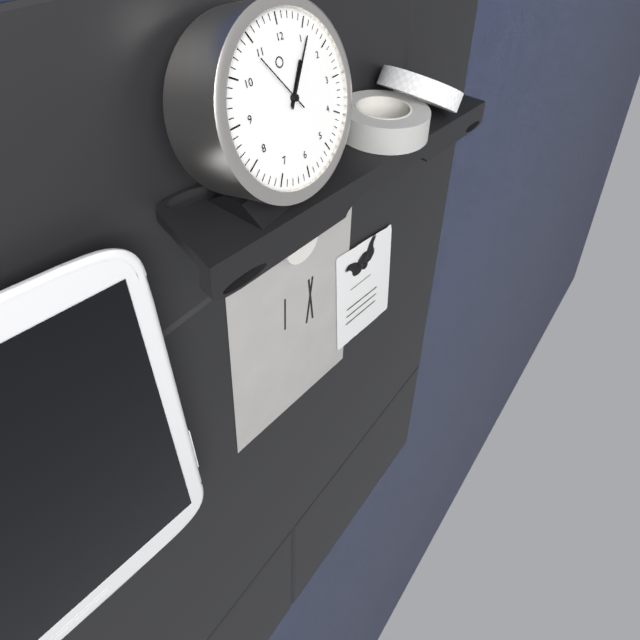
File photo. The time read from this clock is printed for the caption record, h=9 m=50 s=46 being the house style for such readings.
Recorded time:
h=1 m=6 s=54
